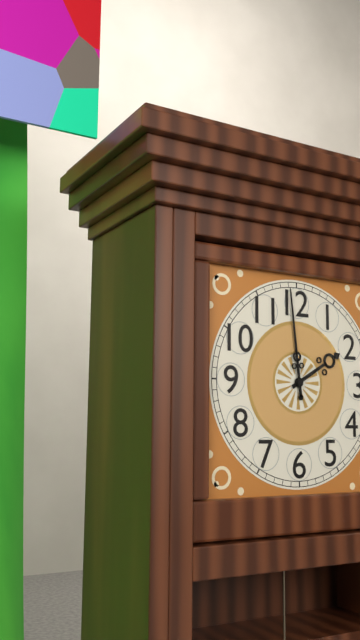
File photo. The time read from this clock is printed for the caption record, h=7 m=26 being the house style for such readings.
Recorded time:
h=1 m=59
